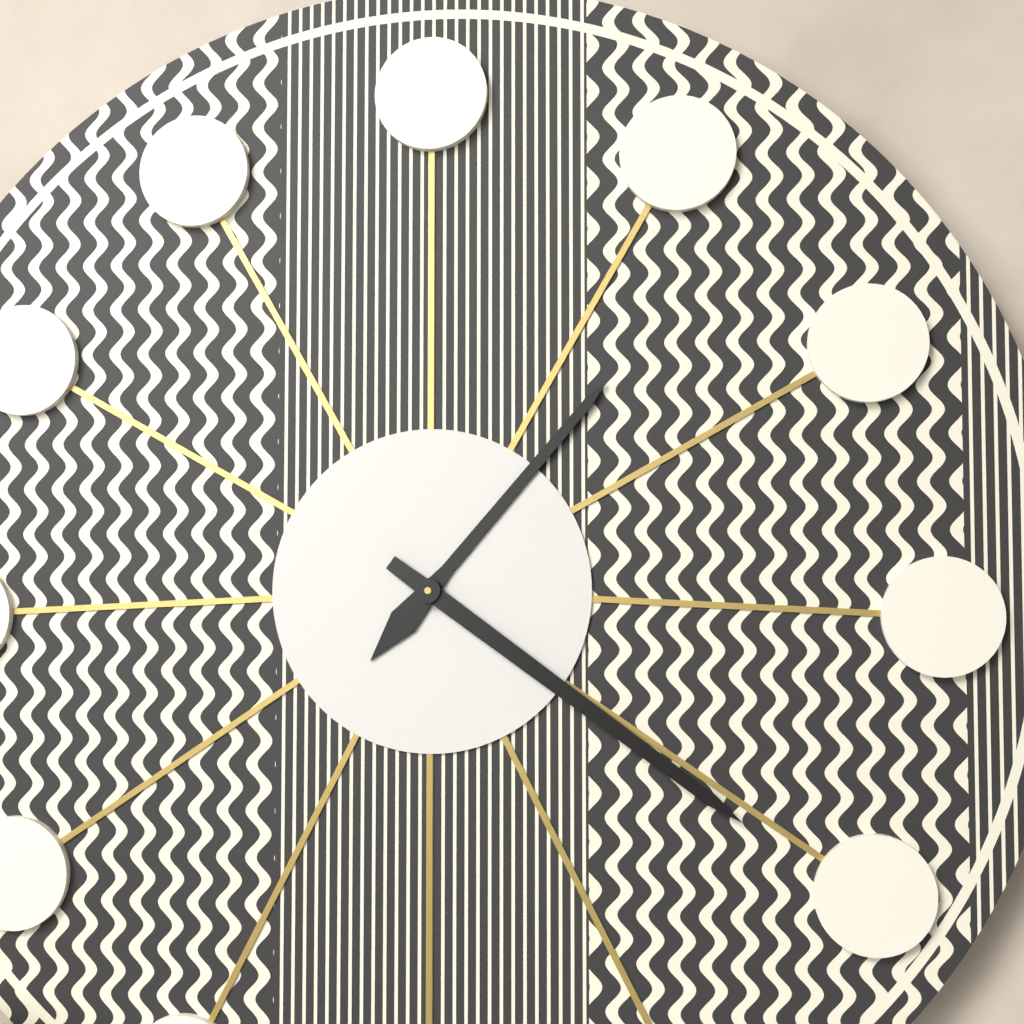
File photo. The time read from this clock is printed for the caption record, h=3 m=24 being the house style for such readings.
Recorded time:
h=1 m=21
